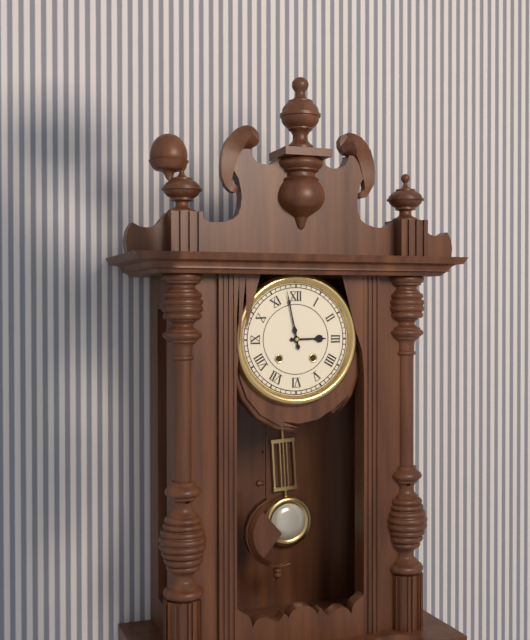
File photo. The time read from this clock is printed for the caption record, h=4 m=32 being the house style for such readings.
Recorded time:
h=2 m=58
